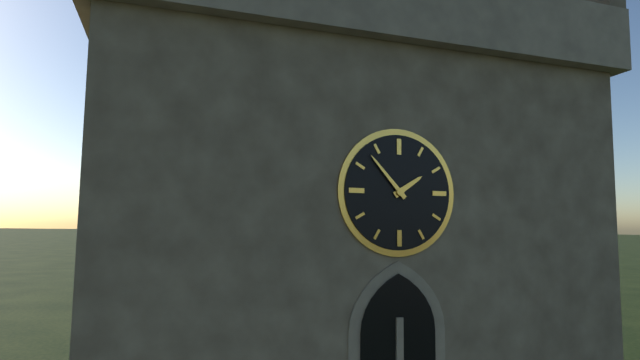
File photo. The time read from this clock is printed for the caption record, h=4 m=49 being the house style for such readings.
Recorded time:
h=1 m=53
